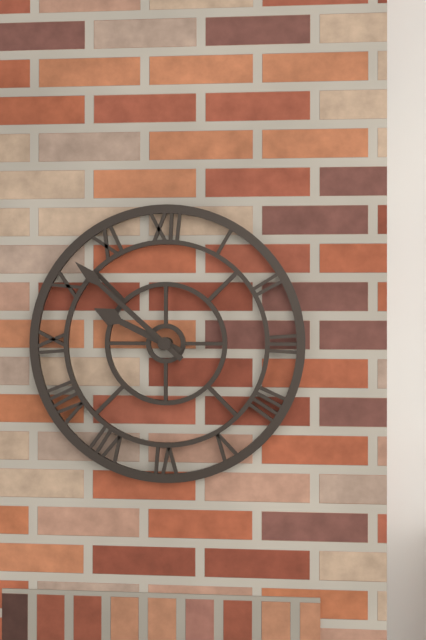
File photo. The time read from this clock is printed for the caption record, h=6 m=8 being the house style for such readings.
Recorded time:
h=9 m=52
